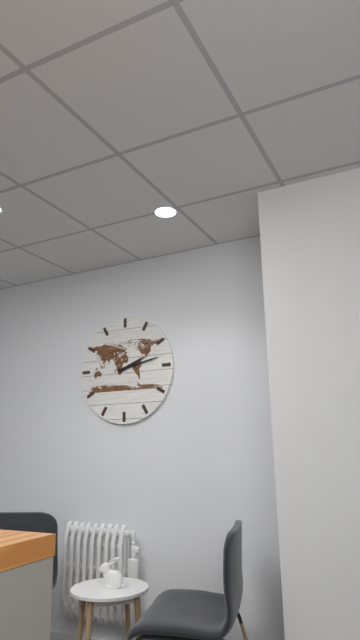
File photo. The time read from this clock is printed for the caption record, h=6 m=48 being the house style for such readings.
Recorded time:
h=2 m=13
